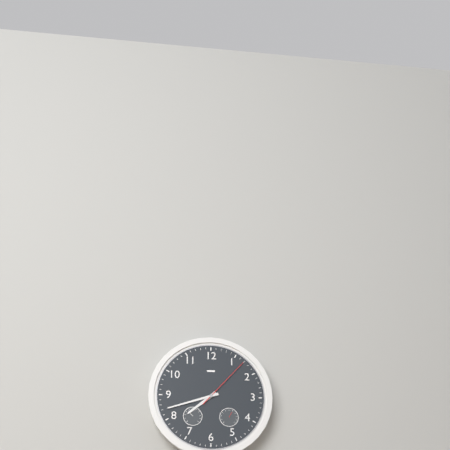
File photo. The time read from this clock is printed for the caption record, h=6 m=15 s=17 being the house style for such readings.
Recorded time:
h=7 m=42 s=7
